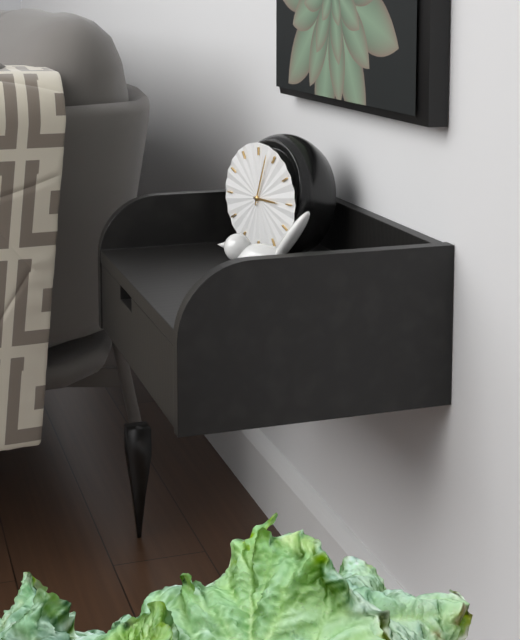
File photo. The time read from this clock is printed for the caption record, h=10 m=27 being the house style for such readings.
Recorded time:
h=3 m=3
